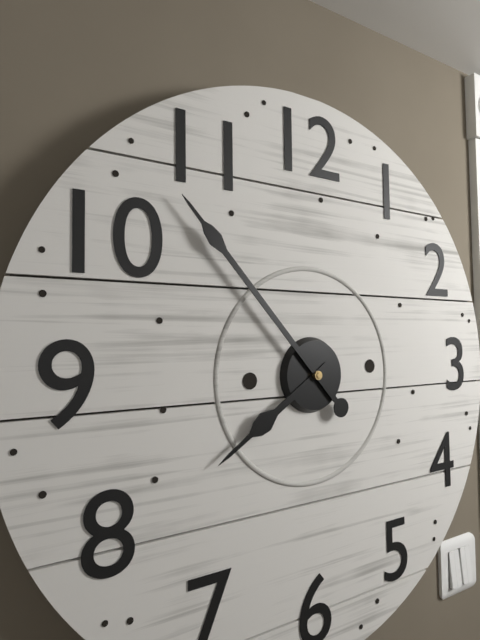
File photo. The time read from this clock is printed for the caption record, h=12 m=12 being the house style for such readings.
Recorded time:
h=7 m=53
